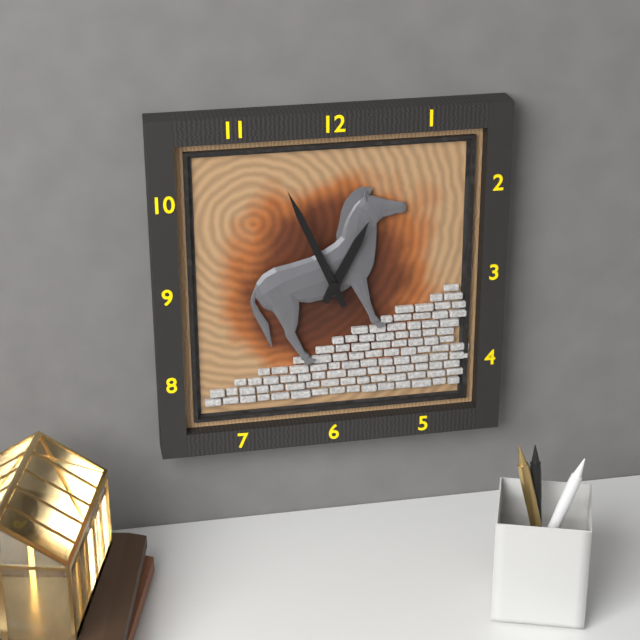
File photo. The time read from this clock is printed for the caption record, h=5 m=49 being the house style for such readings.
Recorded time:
h=12 m=56
